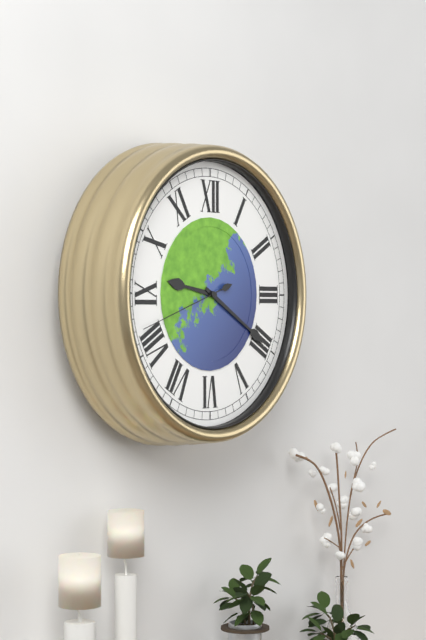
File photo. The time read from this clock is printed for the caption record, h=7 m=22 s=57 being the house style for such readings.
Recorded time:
h=9 m=20 s=42
